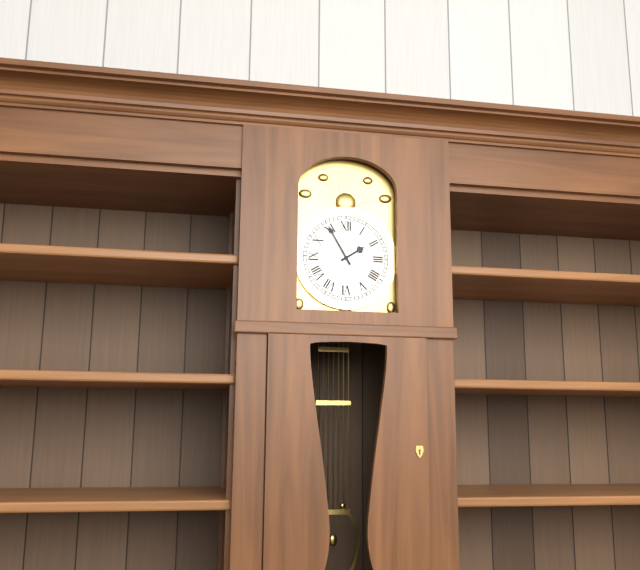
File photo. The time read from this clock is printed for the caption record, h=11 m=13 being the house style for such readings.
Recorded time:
h=1 m=55
